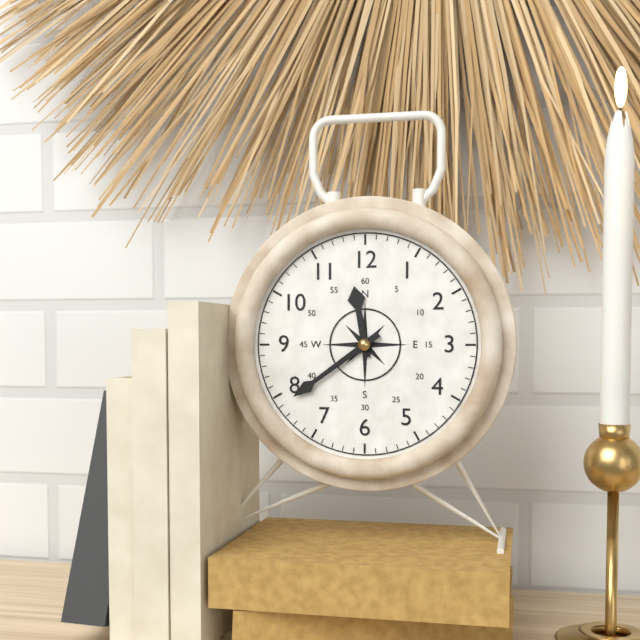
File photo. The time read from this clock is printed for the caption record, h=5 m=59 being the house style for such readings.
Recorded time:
h=11 m=39
